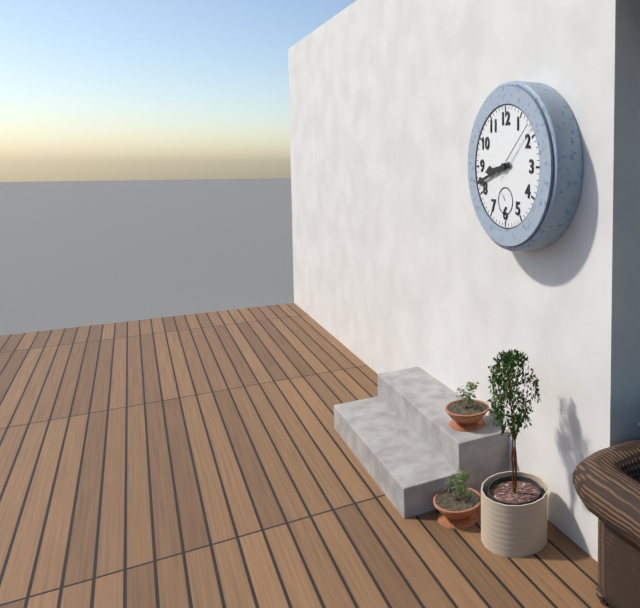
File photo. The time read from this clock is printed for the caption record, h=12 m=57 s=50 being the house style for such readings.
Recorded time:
h=8 m=42 s=8
